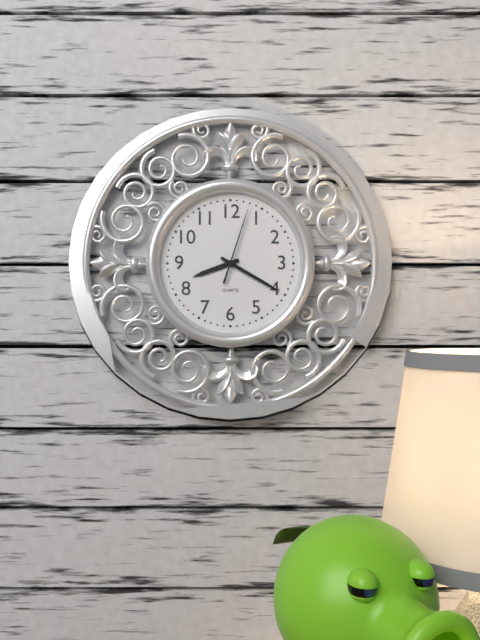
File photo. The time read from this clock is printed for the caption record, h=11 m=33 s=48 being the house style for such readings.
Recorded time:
h=8 m=20 s=3
